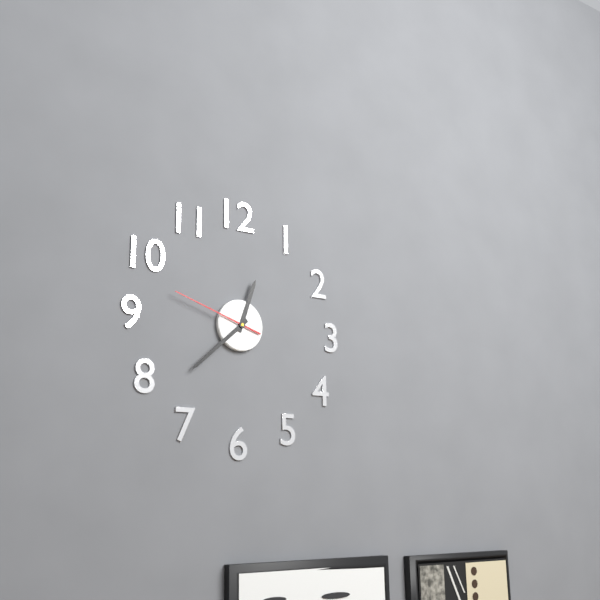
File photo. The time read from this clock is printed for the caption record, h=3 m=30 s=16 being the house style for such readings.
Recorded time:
h=12 m=38 s=48
